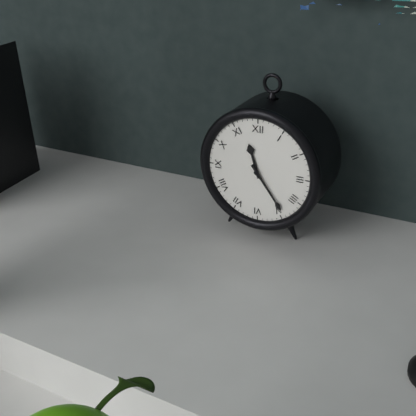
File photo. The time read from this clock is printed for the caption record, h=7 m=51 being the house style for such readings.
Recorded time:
h=11 m=24
